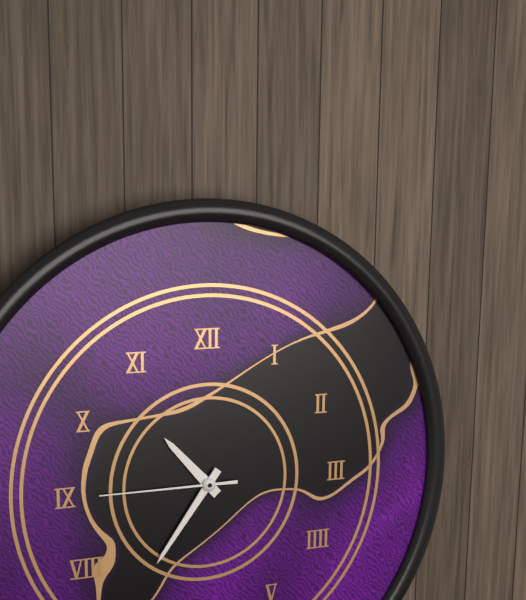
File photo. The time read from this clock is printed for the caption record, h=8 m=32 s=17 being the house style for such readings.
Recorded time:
h=10 m=36 s=45
